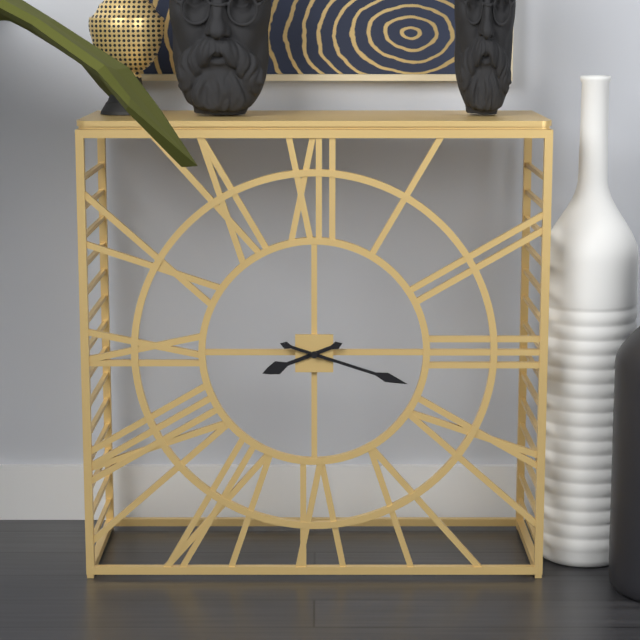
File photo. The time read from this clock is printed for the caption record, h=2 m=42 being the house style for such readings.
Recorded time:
h=8 m=18
